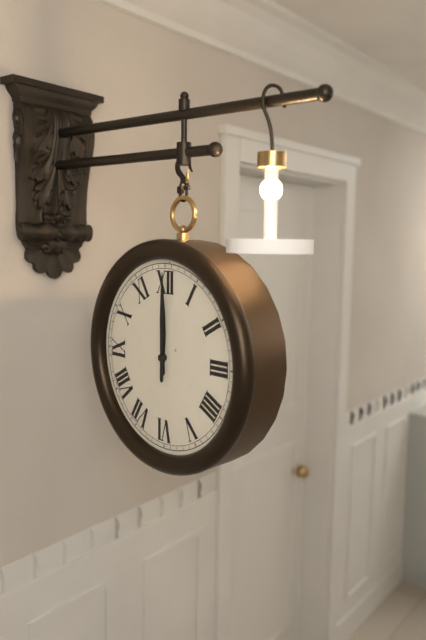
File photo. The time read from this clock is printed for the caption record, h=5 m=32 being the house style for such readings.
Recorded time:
h=12 m=0
